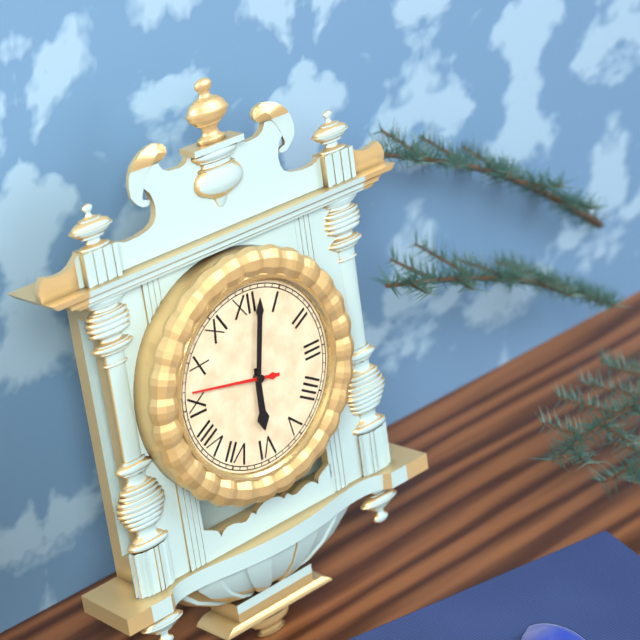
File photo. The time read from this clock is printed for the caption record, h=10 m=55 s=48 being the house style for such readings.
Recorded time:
h=6 m=2 s=47
